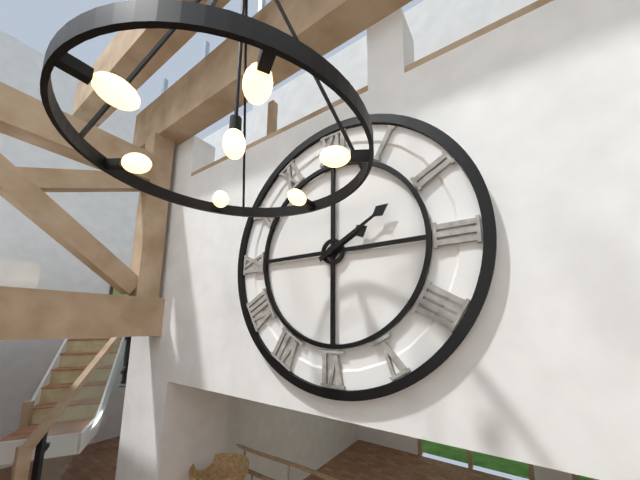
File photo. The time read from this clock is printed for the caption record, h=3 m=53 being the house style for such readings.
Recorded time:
h=2 m=10
